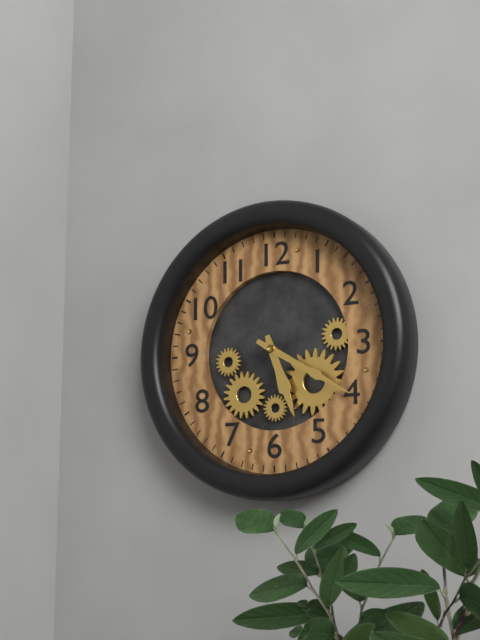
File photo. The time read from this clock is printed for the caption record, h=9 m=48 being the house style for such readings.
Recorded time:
h=5 m=20
